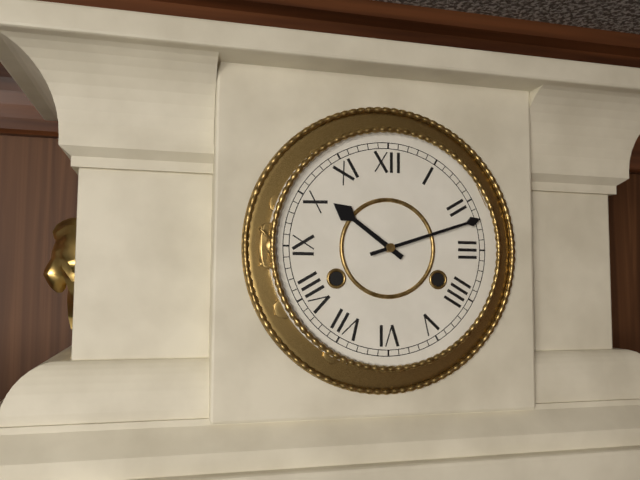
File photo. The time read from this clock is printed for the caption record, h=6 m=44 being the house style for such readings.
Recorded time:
h=10 m=12
